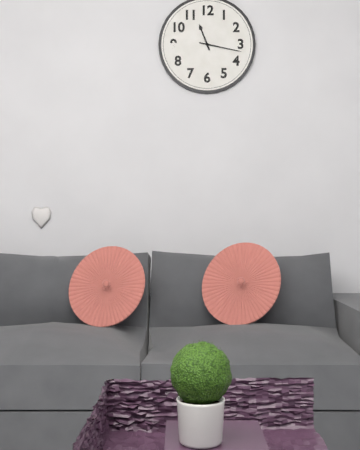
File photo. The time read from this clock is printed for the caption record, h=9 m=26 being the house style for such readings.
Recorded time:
h=11 m=17
